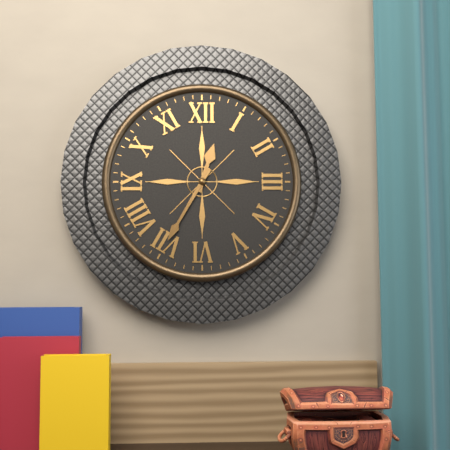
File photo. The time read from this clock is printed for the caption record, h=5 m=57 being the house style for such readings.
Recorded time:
h=12 m=35
